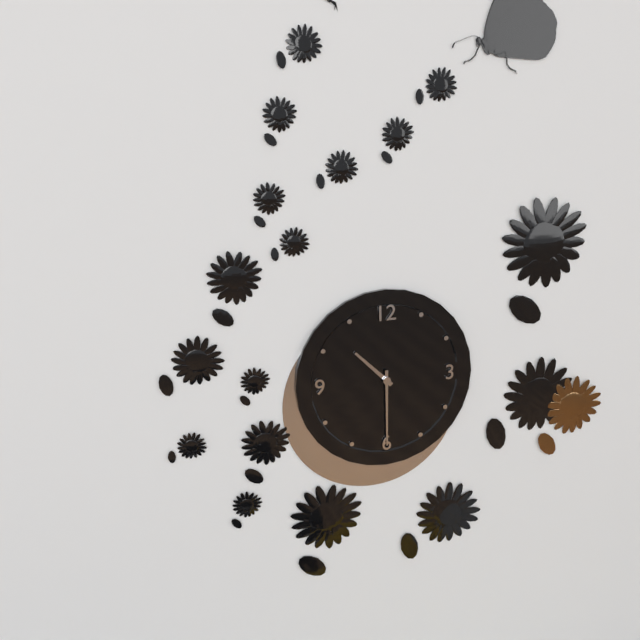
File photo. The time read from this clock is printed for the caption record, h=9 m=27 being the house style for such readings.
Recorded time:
h=10 m=30
